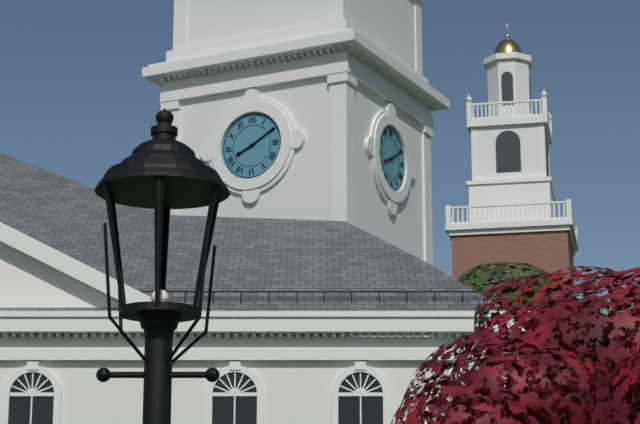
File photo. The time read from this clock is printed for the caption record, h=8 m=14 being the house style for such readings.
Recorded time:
h=8 m=10
